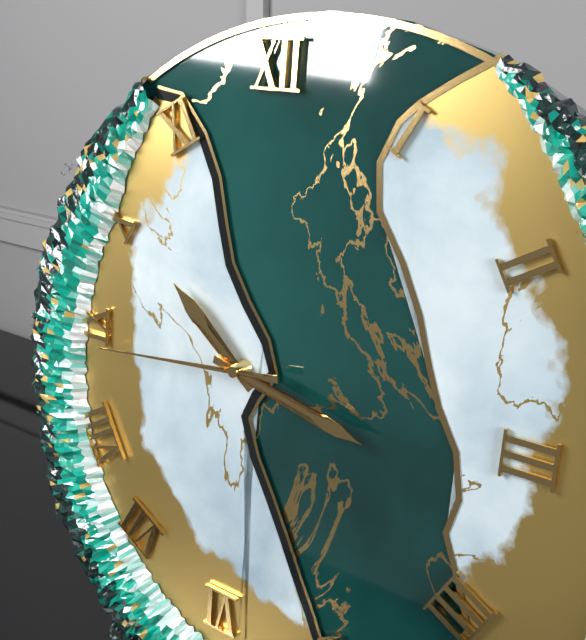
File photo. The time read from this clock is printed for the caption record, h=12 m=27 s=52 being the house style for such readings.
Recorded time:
h=10 m=17 s=44
